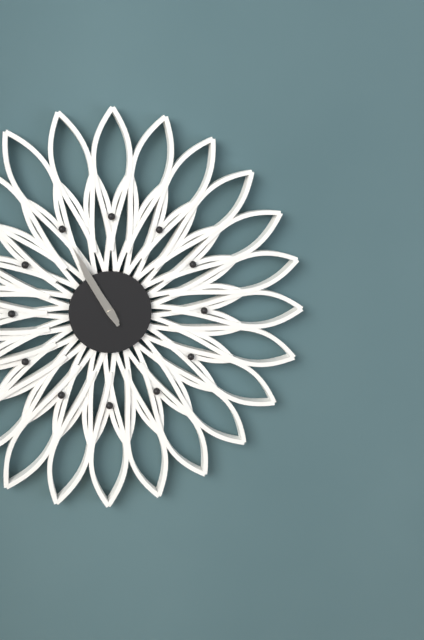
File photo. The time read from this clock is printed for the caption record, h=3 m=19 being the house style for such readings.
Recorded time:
h=10 m=55
